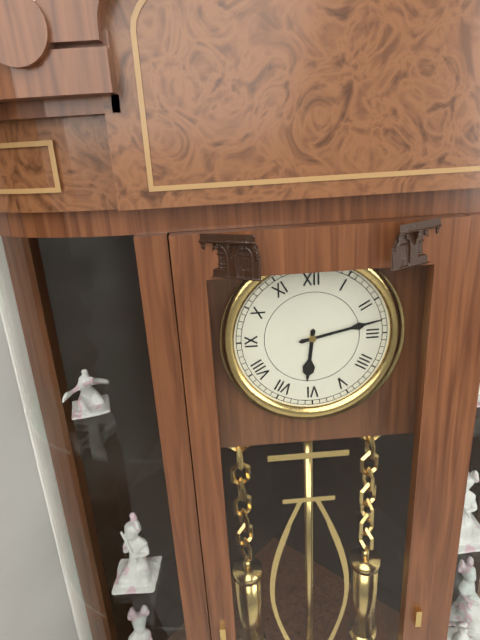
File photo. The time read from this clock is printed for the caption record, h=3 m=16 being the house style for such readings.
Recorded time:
h=6 m=13
